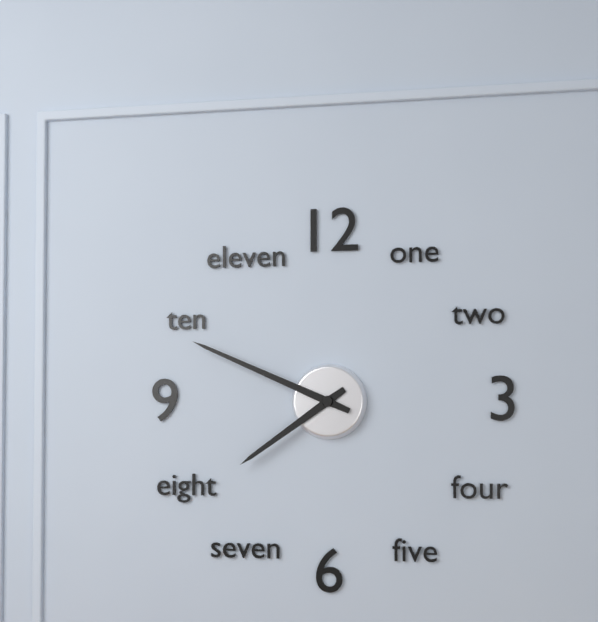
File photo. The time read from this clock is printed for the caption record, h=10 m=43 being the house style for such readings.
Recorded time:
h=7 m=49
